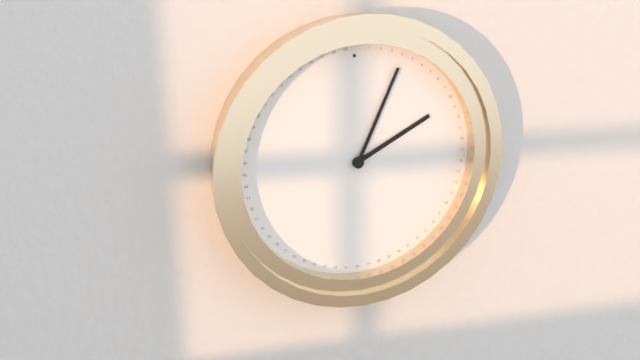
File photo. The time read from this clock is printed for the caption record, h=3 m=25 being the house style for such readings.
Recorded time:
h=2 m=4
